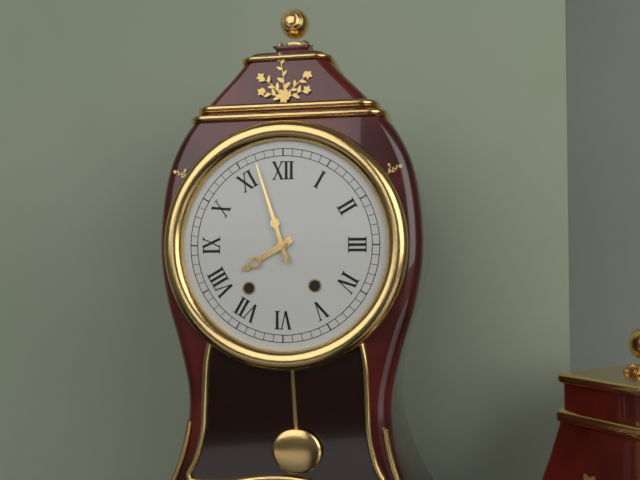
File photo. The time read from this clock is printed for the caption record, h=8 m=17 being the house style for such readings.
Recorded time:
h=7 m=57
